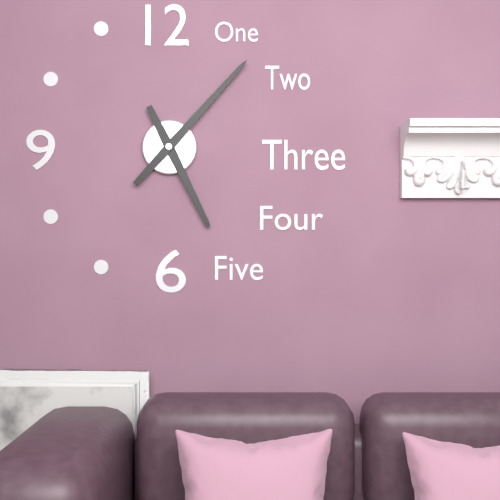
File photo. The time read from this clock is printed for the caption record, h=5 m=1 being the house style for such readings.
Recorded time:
h=5 m=7
